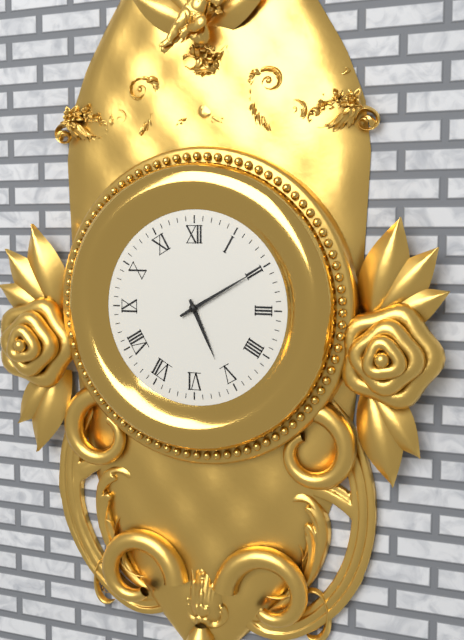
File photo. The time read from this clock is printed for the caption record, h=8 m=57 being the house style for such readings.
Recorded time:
h=5 m=10
